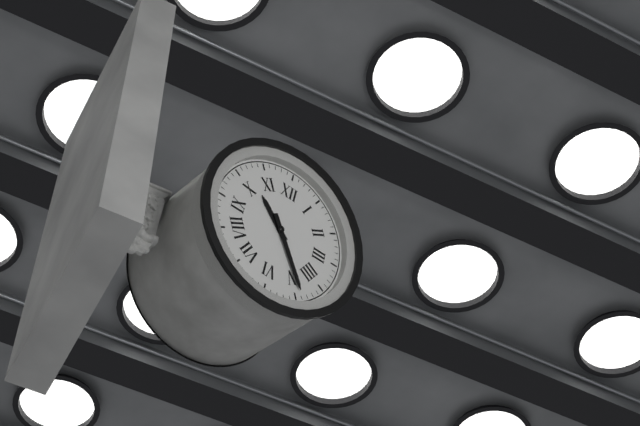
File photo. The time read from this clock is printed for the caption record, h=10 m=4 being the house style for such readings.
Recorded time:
h=10 m=24
